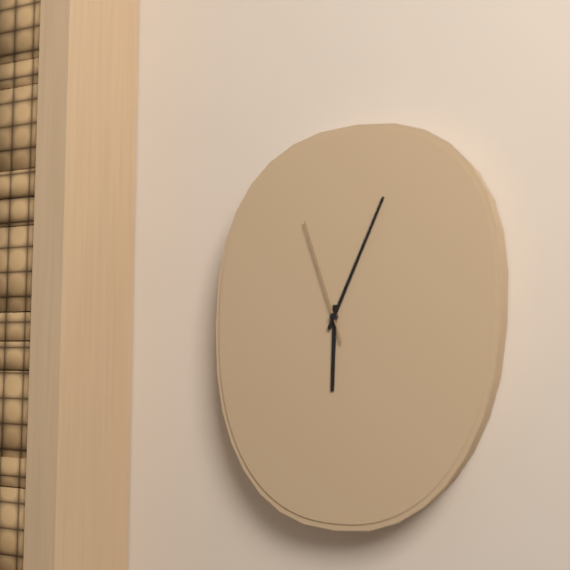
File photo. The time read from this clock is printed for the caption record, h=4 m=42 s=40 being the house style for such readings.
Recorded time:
h=6 m=4 s=57
